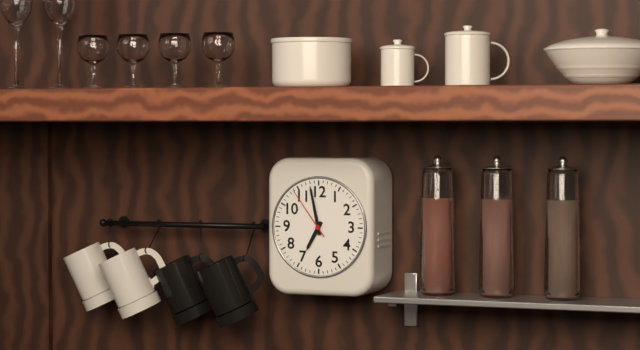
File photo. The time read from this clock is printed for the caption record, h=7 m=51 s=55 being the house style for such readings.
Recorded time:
h=6 m=58 s=54
